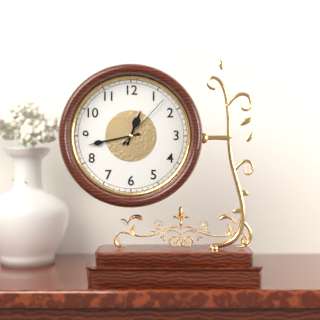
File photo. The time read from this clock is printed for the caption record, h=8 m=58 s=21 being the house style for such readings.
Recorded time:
h=12 m=43 s=7
